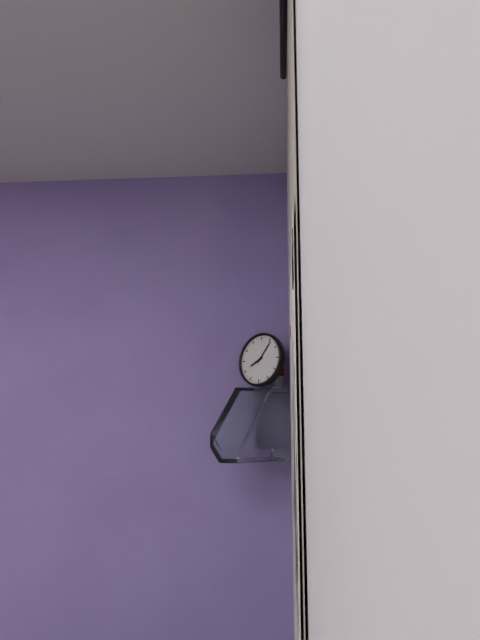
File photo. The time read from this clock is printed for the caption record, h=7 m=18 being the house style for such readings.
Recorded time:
h=8 m=6
